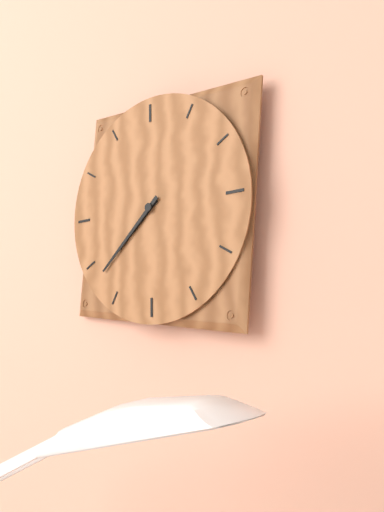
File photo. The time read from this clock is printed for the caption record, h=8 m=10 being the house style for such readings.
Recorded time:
h=7 m=38
